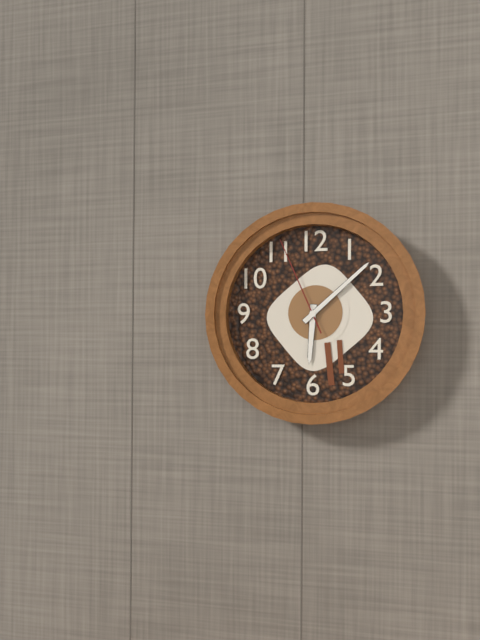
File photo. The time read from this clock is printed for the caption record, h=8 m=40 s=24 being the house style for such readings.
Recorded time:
h=6 m=8 s=56
